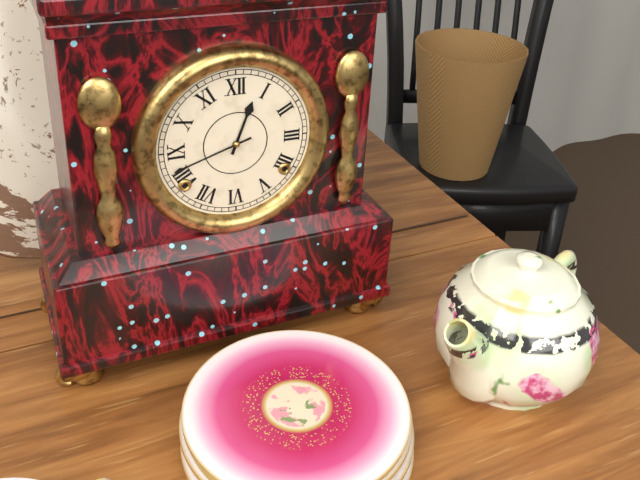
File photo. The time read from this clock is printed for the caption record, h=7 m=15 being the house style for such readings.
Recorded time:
h=12 m=42
